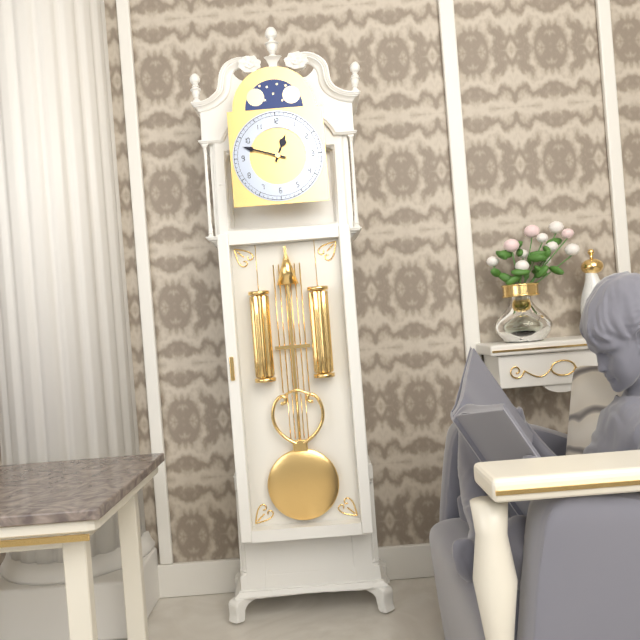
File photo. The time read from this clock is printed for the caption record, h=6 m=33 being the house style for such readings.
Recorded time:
h=12 m=48
